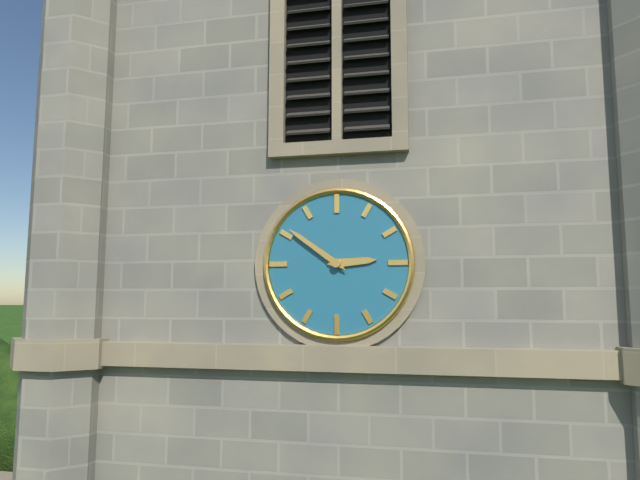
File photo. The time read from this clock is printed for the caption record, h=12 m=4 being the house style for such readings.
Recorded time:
h=2 m=51
